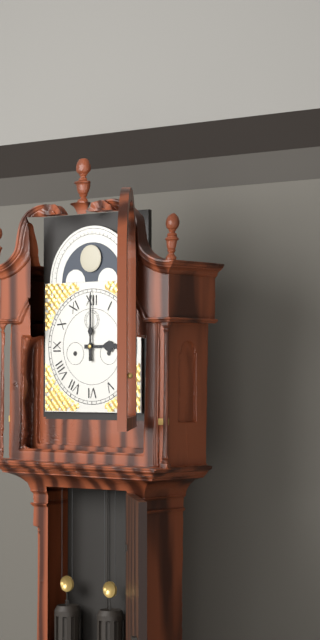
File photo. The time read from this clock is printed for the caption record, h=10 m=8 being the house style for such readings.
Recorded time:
h=3 m=0
